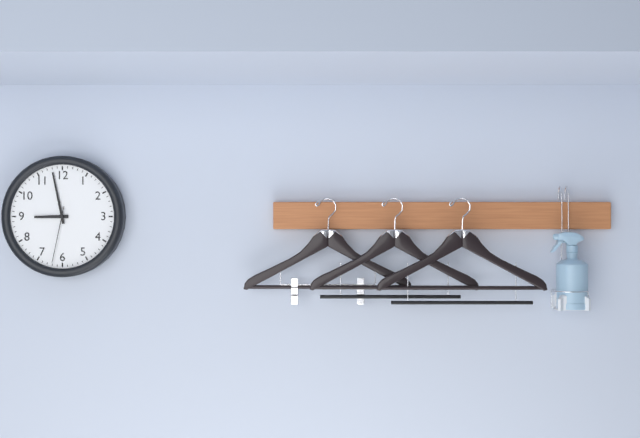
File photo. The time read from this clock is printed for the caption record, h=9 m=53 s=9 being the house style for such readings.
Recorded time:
h=8 m=58 s=32
